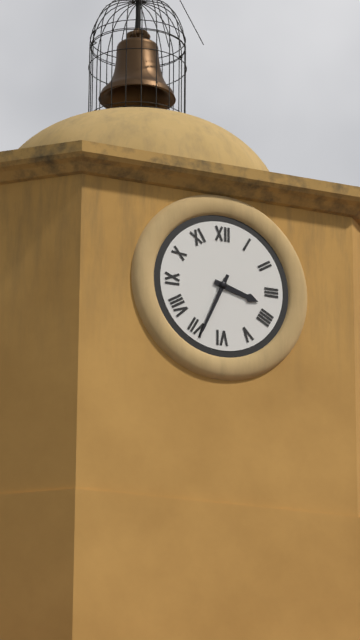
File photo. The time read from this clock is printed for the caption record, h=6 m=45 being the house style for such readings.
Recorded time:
h=3 m=34
